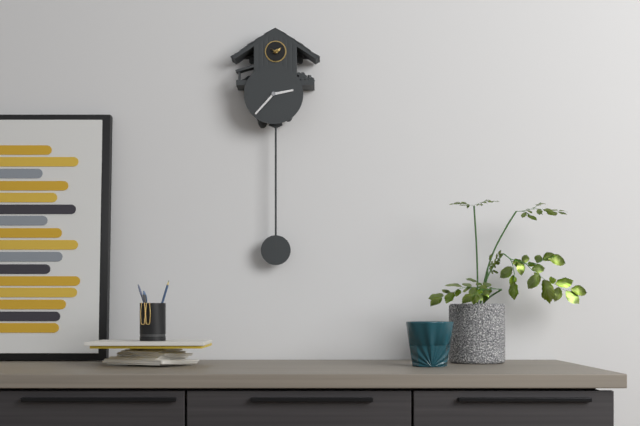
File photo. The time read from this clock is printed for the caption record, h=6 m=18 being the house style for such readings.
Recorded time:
h=2 m=37
